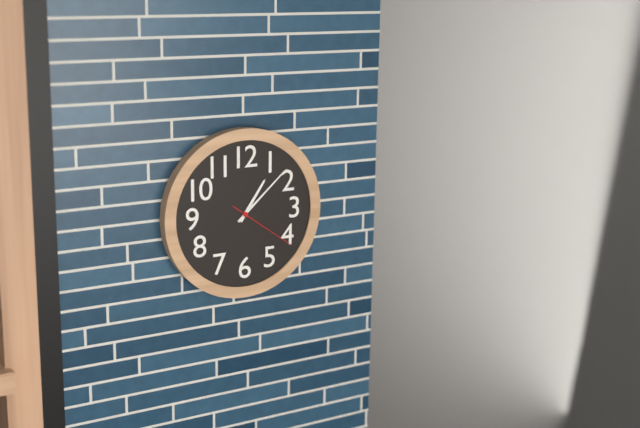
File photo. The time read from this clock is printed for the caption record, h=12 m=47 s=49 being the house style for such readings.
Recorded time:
h=1 m=8 s=21
